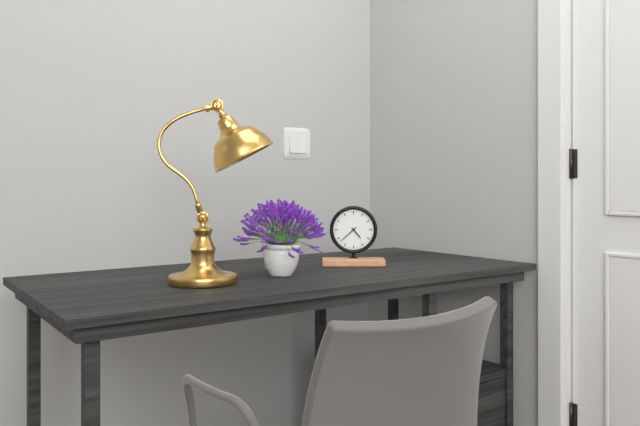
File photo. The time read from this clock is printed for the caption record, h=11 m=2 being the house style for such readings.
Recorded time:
h=4 m=38
